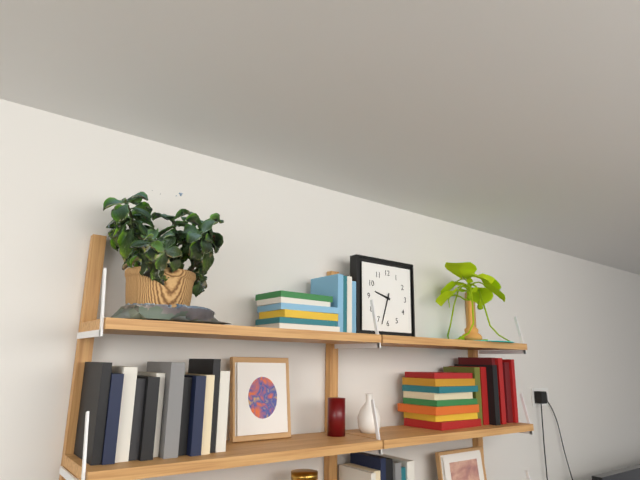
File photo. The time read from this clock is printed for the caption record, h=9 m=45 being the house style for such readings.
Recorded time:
h=9 m=33
